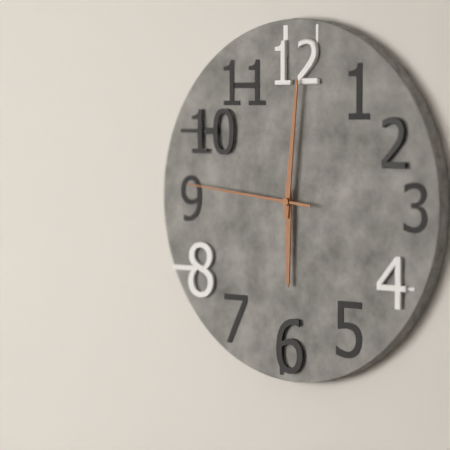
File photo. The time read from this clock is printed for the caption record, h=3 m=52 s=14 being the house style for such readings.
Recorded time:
h=6 m=1 s=46
